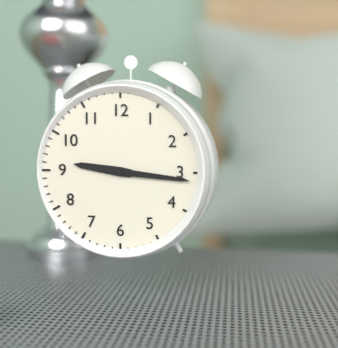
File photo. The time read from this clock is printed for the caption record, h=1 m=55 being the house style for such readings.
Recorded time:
h=9 m=16
